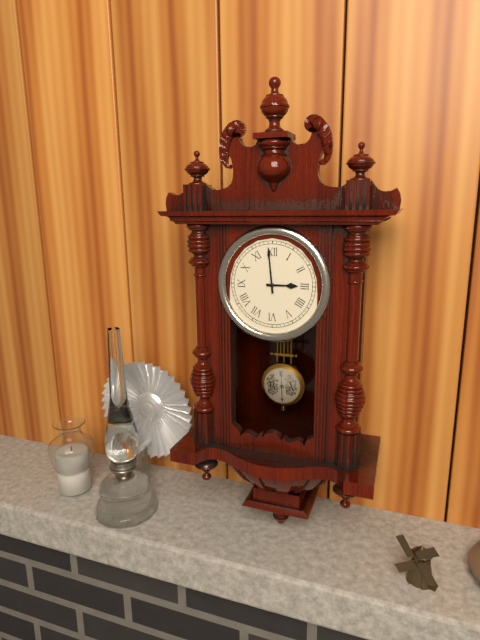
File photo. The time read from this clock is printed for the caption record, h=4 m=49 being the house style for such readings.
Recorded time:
h=2 m=59
